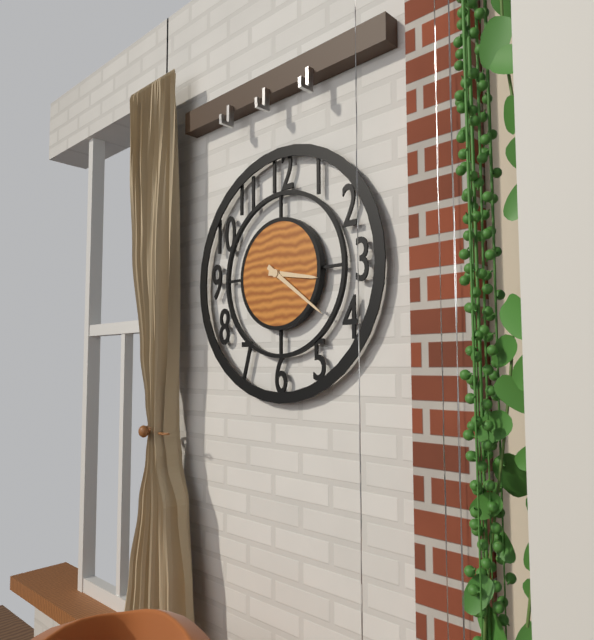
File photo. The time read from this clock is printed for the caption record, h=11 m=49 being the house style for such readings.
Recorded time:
h=3 m=21
